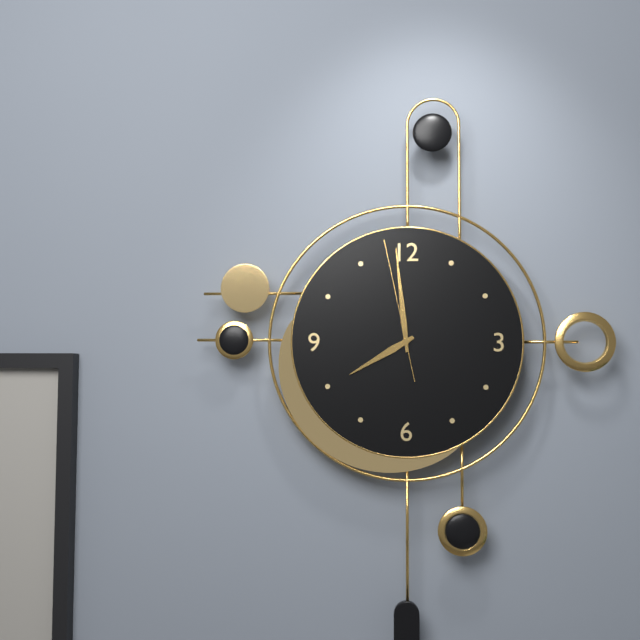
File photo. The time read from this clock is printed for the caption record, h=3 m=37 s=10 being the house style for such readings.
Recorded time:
h=7 m=59 s=58
